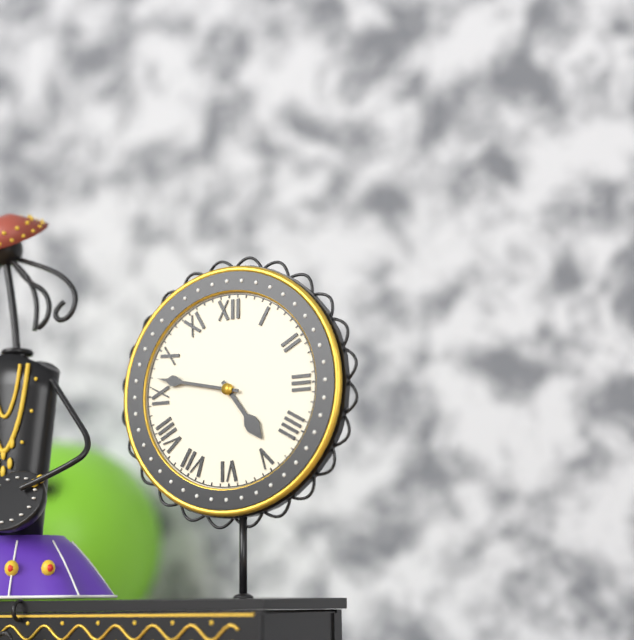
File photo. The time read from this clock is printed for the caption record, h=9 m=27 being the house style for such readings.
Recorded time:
h=4 m=47
